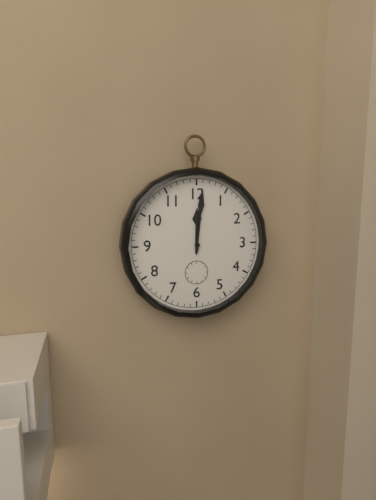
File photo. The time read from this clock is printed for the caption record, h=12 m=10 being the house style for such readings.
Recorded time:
h=12 m=1
